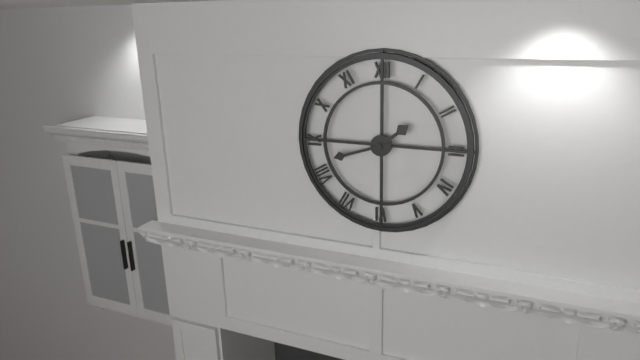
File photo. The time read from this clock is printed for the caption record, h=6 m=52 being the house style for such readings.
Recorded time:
h=1 m=42
